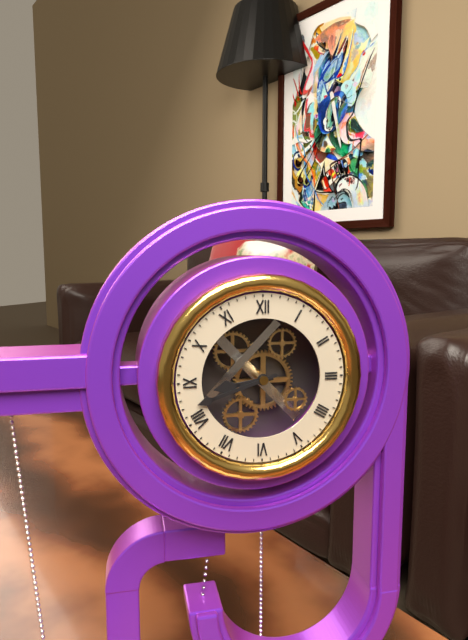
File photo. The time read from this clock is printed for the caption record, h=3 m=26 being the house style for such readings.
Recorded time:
h=8 m=42
